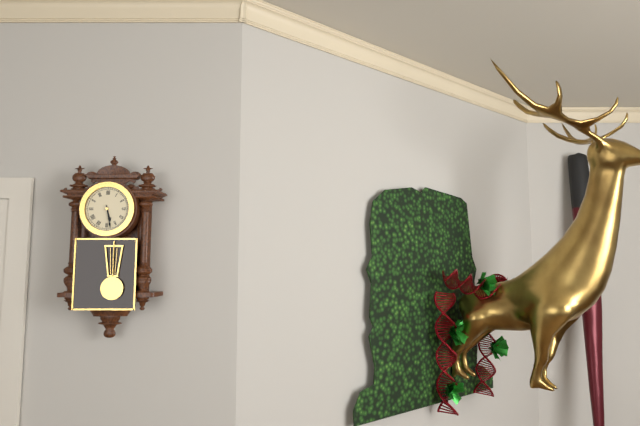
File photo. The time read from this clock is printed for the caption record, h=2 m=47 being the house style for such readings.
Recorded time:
h=5 m=28
